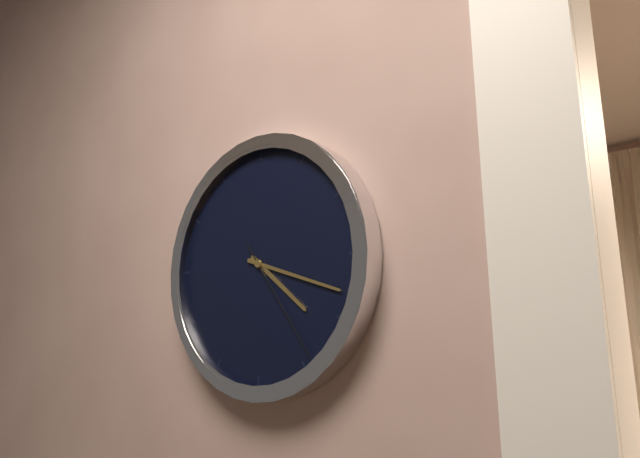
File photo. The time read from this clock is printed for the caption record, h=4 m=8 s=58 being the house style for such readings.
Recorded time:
h=4 m=18 s=24
